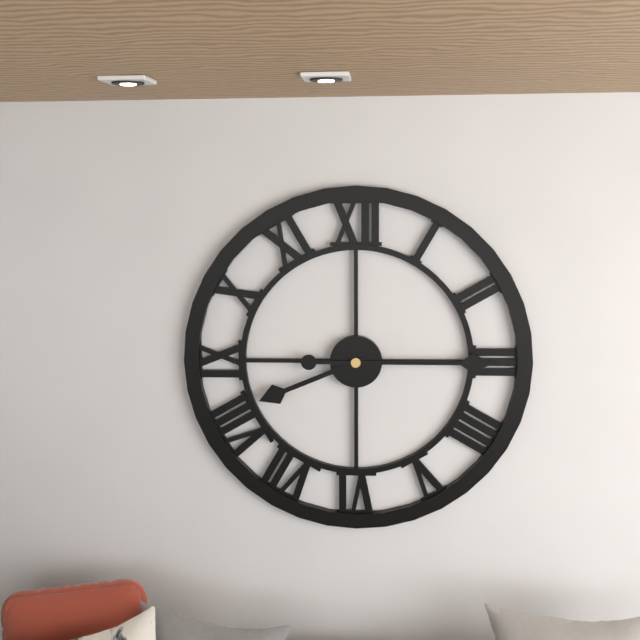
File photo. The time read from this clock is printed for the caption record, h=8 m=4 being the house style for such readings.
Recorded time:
h=8 m=15
